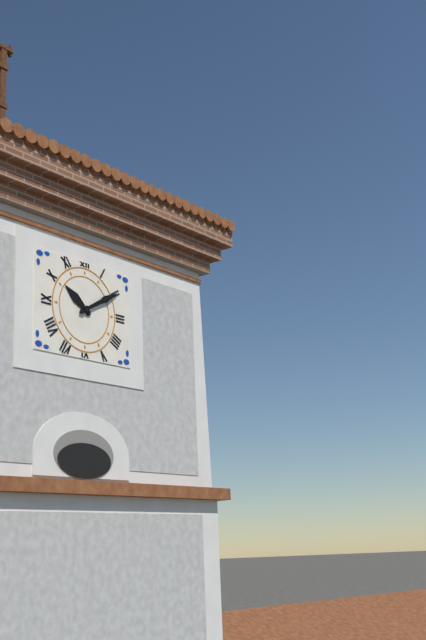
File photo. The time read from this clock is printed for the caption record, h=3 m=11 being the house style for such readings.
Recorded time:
h=10 m=10
